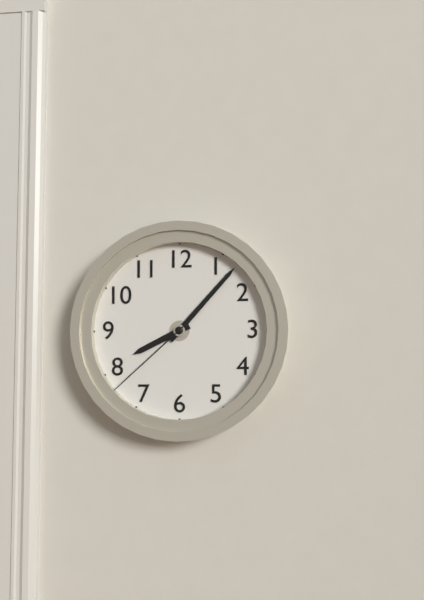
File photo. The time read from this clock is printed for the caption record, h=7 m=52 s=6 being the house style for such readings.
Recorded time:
h=8 m=7 s=38
